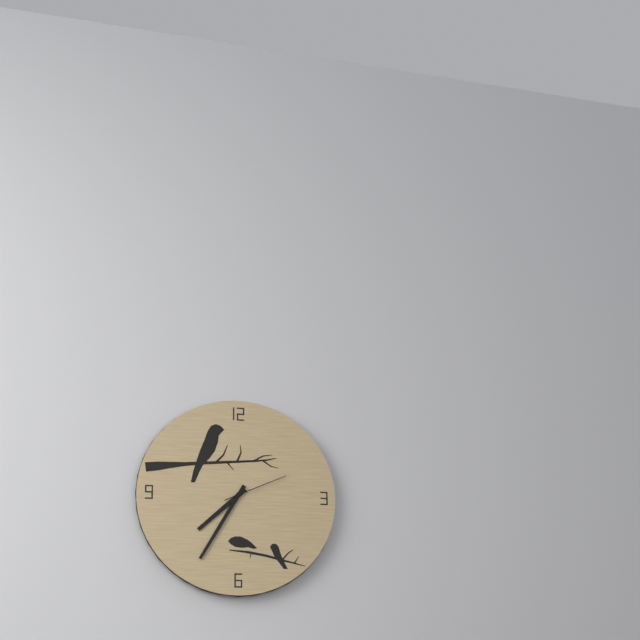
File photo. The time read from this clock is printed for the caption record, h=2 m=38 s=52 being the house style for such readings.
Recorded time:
h=7 m=35 s=11
